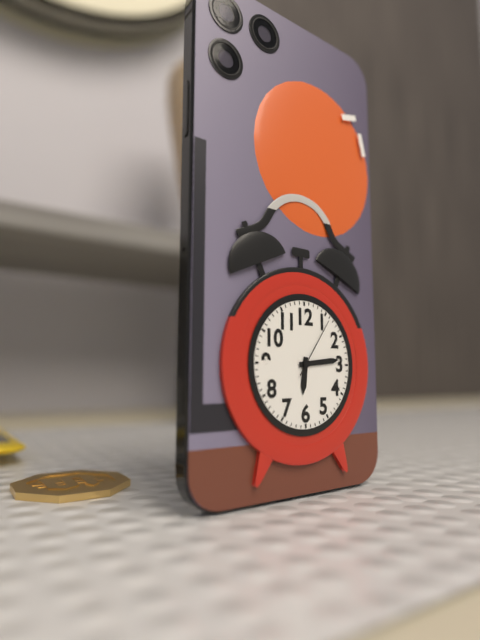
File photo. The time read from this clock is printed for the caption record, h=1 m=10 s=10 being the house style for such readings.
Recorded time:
h=6 m=14 s=6
